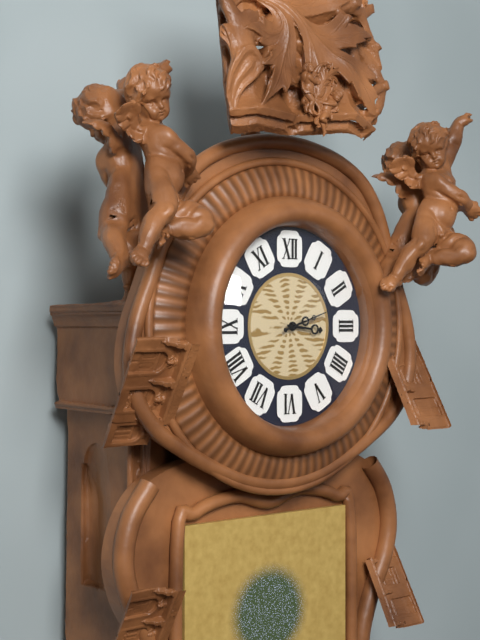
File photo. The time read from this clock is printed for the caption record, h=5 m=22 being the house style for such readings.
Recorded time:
h=3 m=12
